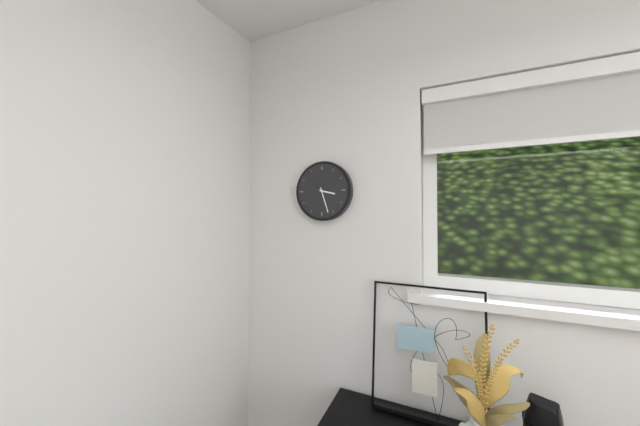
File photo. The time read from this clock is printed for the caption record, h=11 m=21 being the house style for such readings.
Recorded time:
h=3 m=27
